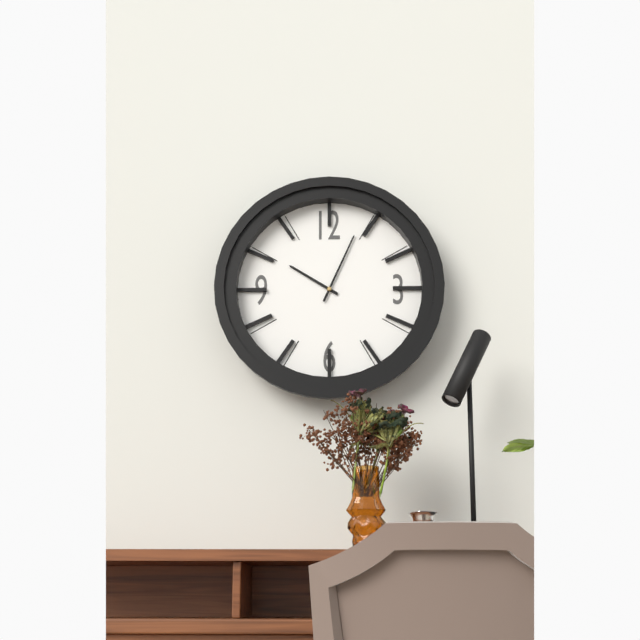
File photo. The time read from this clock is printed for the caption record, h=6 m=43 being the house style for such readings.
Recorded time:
h=10 m=4
